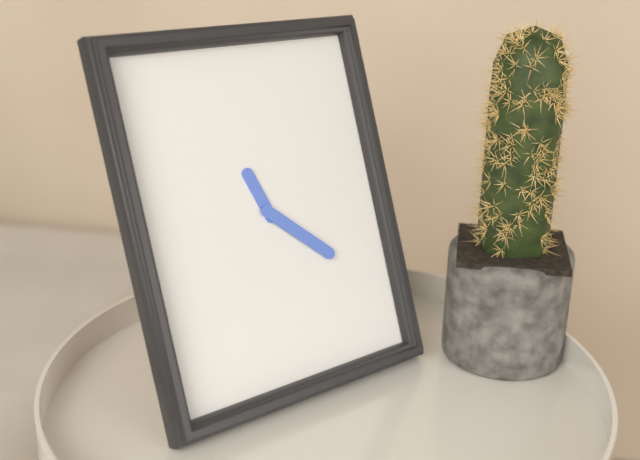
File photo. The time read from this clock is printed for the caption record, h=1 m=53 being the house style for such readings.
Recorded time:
h=11 m=22
